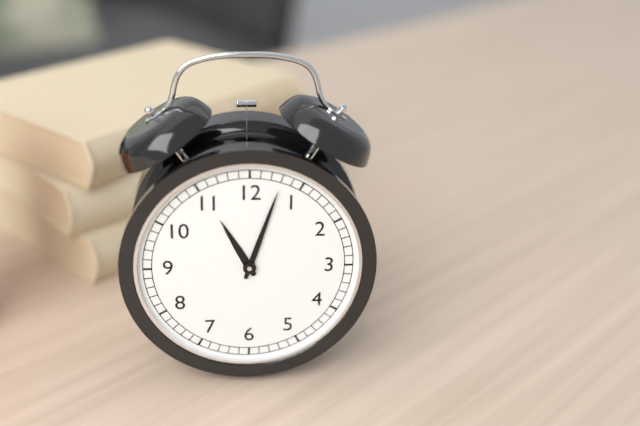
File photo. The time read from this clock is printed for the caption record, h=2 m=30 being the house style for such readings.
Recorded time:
h=11 m=3
